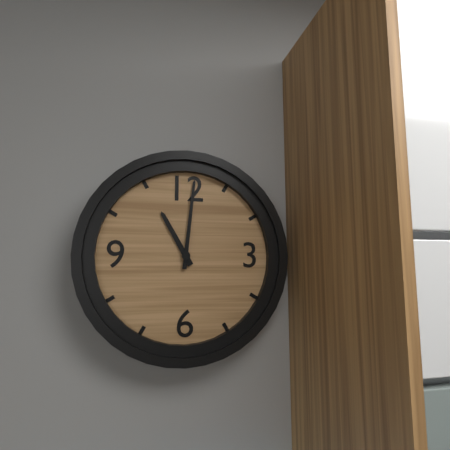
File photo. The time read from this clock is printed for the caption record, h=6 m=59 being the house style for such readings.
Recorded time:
h=11 m=1
